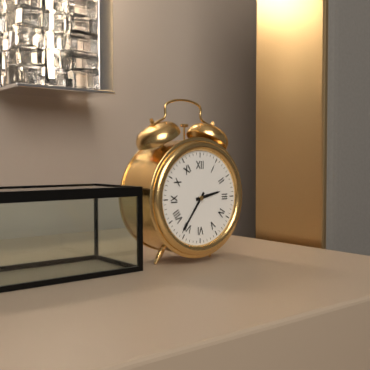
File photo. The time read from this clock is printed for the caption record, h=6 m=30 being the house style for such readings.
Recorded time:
h=2 m=36
